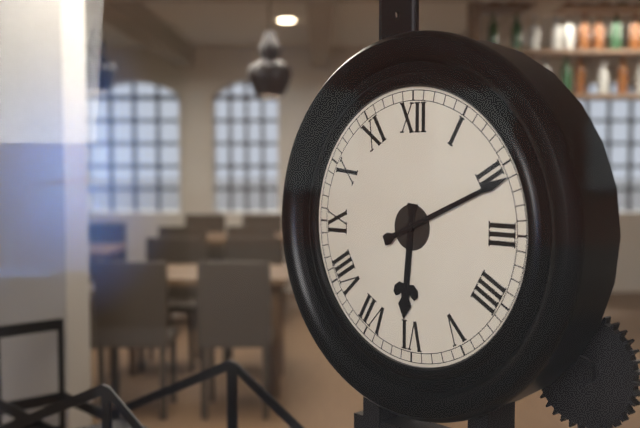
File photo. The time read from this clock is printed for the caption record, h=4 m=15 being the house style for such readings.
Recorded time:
h=6 m=11
